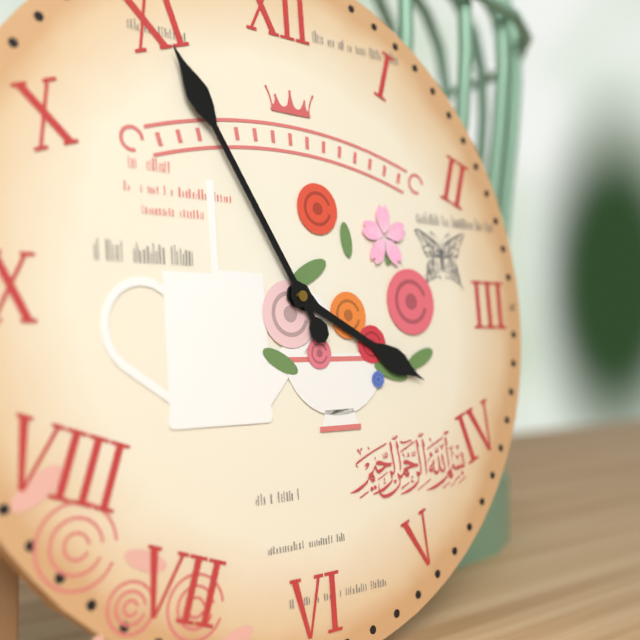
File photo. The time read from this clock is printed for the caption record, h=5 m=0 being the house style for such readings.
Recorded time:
h=3 m=55
